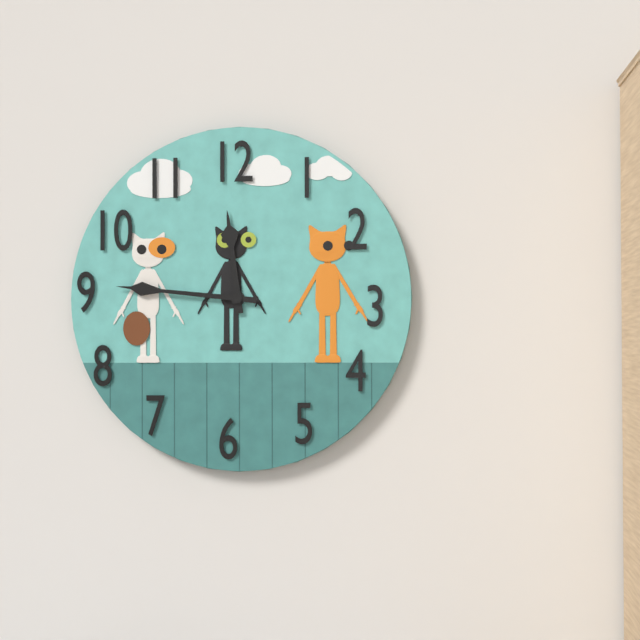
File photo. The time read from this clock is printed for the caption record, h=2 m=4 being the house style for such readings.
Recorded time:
h=11 m=46
